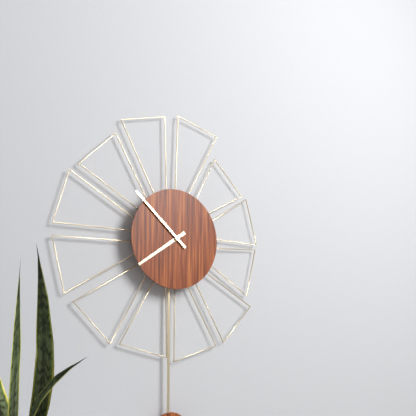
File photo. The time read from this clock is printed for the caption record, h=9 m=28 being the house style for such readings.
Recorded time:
h=7 m=52
